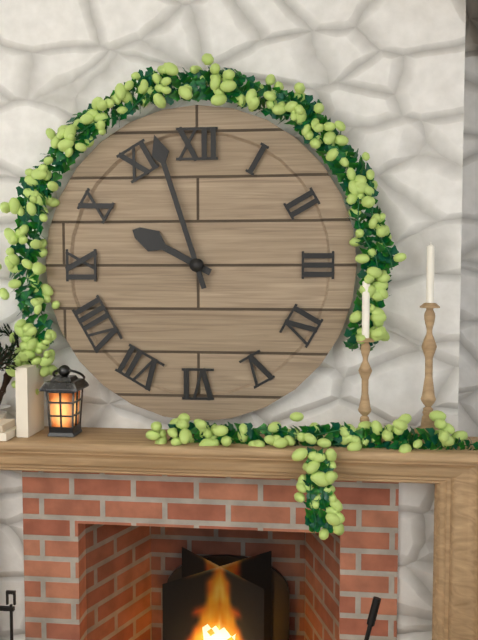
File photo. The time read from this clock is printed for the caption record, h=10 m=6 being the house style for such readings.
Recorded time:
h=9 m=57
